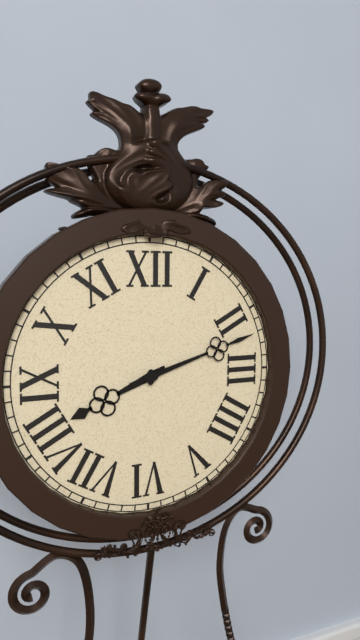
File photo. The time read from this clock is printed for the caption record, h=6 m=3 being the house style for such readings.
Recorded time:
h=8 m=12
